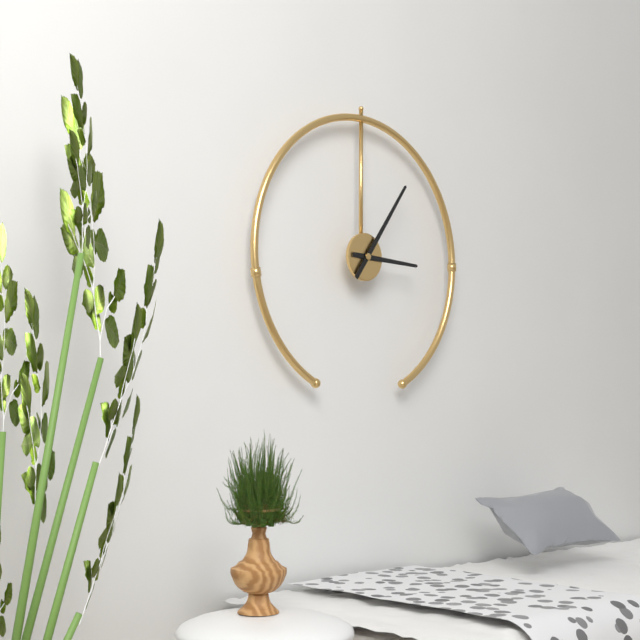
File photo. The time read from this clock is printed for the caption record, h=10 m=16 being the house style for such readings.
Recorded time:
h=3 m=6
